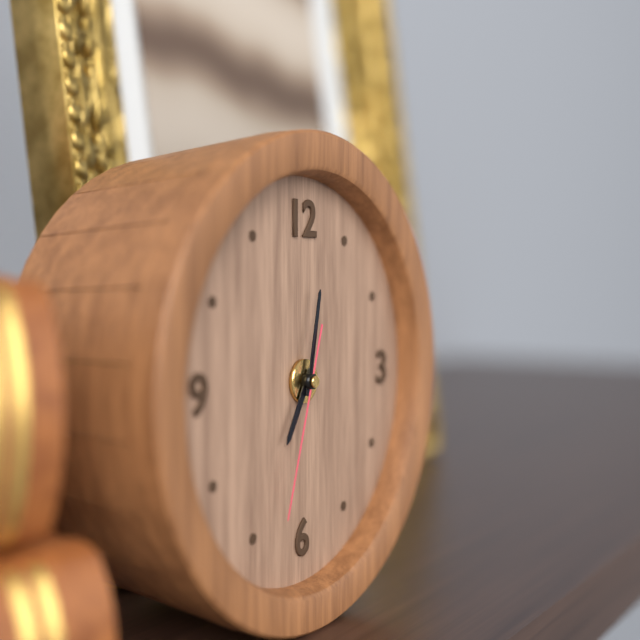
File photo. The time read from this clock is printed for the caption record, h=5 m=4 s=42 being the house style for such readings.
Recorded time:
h=7 m=2 s=33
